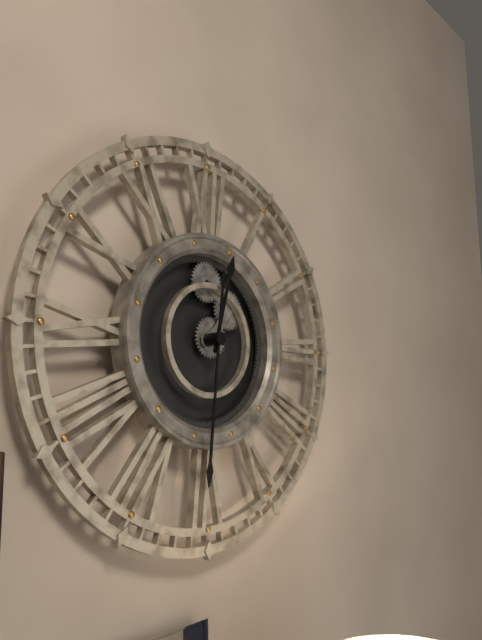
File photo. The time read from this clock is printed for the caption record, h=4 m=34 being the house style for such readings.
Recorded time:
h=12 m=31
